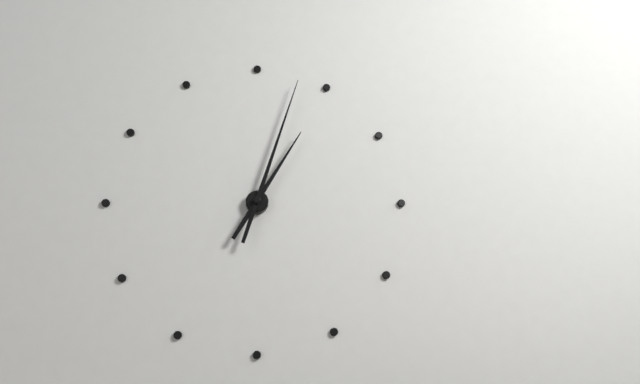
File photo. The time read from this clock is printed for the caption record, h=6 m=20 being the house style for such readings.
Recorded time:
h=1 m=3
